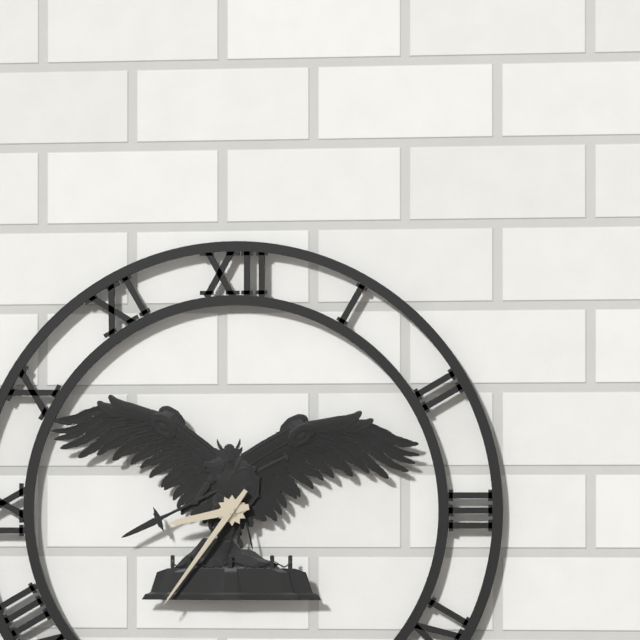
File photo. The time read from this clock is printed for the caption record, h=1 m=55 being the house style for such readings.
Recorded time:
h=8 m=36
